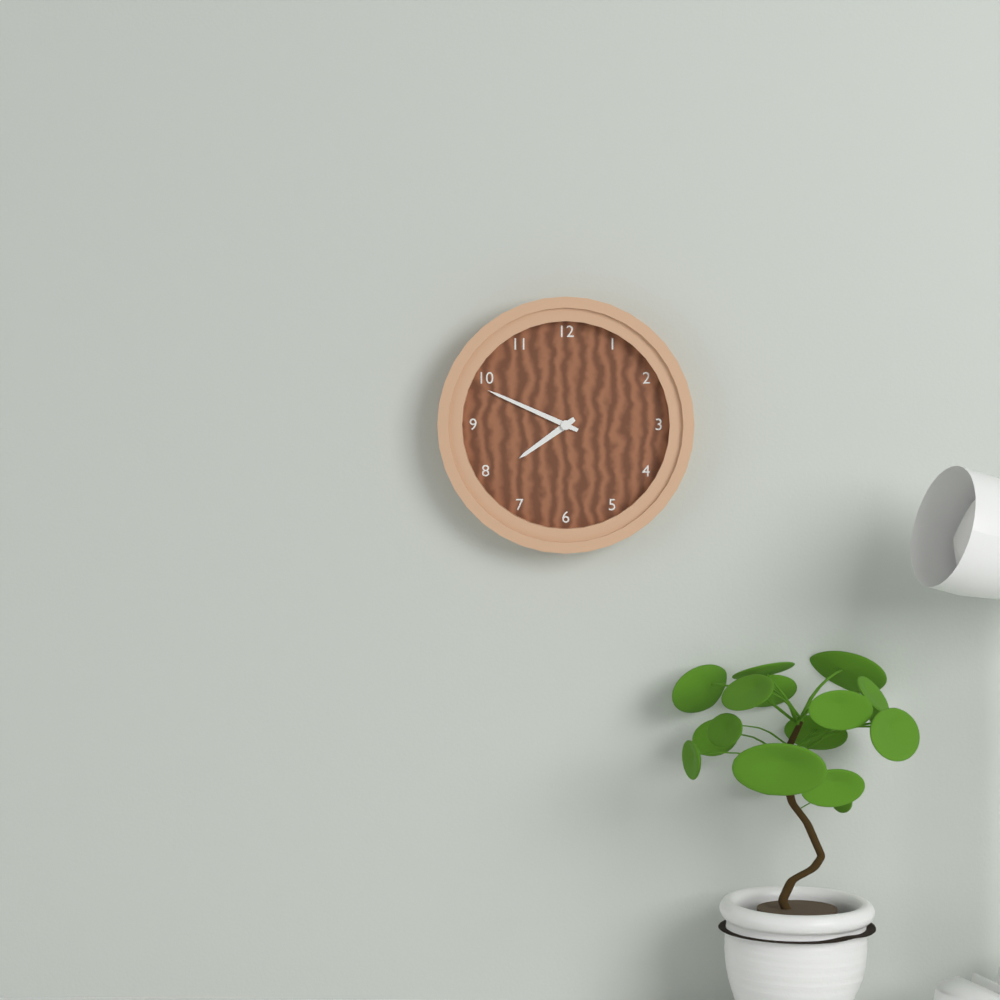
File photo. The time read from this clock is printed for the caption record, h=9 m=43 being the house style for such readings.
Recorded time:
h=7 m=49
